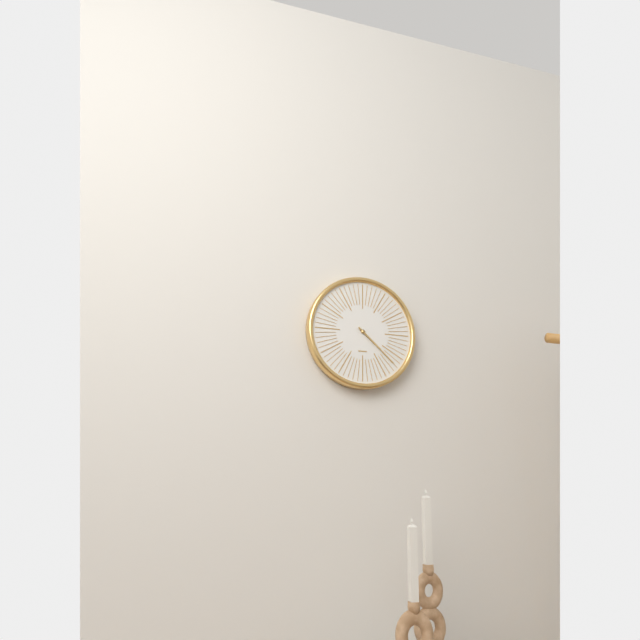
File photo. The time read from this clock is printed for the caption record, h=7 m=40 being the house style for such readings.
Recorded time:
h=4 m=22
